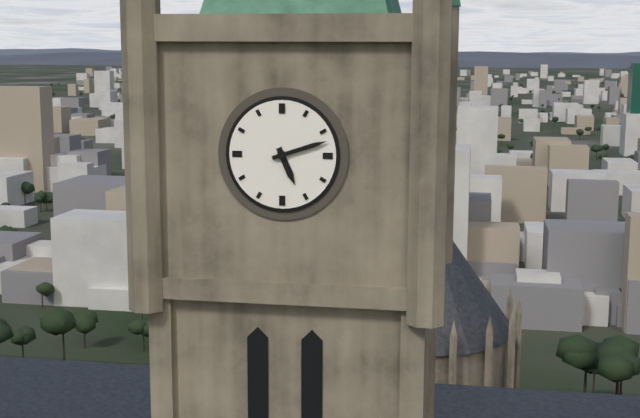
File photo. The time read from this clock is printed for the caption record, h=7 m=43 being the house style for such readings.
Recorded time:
h=5 m=12
